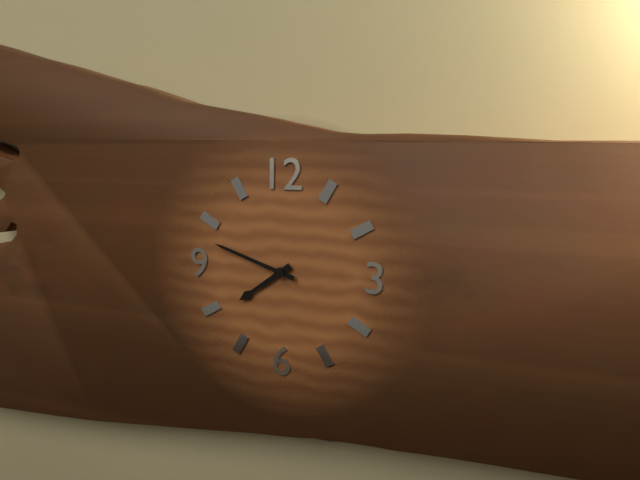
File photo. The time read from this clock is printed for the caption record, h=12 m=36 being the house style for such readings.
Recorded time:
h=7 m=48
